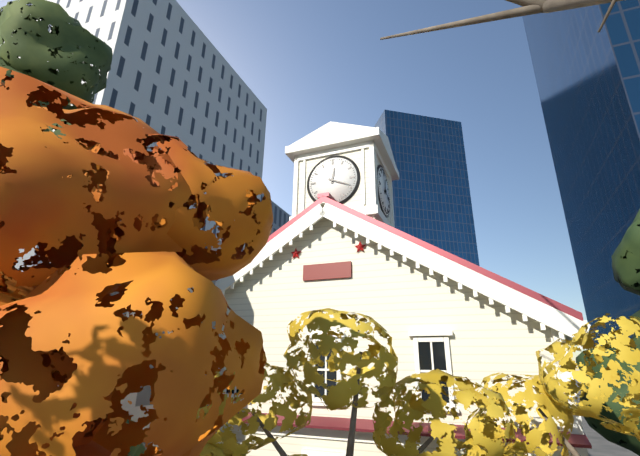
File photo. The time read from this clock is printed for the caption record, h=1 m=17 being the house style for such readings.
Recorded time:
h=12 m=19
